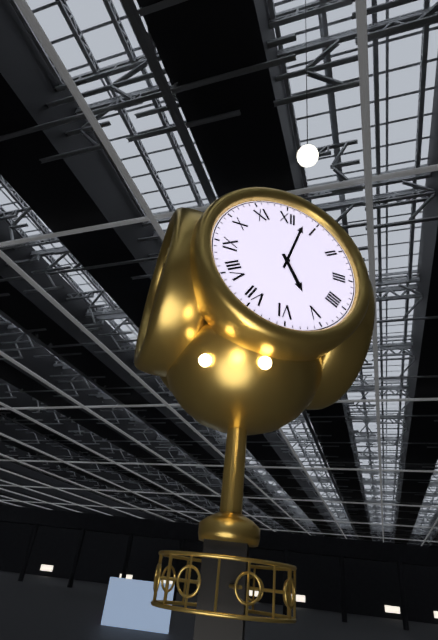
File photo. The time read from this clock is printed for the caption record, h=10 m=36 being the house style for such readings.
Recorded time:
h=5 m=3
